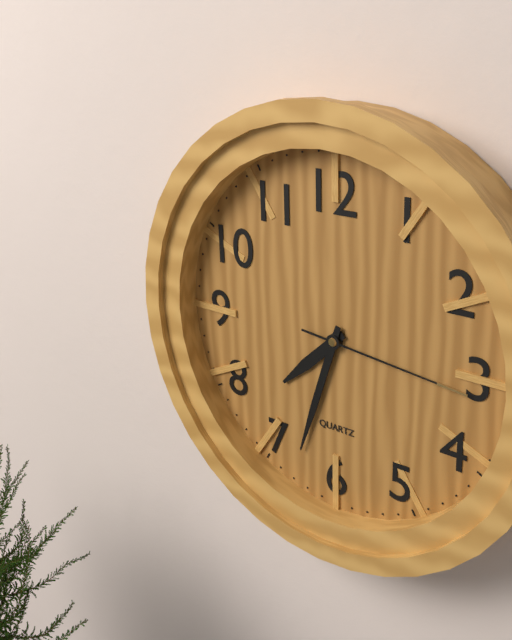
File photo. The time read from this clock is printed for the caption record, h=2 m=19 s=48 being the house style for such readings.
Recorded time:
h=7 m=33 s=16
